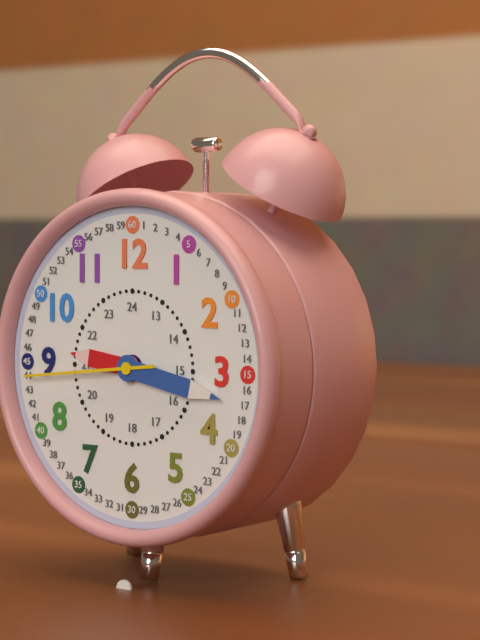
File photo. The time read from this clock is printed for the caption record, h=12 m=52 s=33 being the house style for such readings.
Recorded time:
h=9 m=17 s=44
